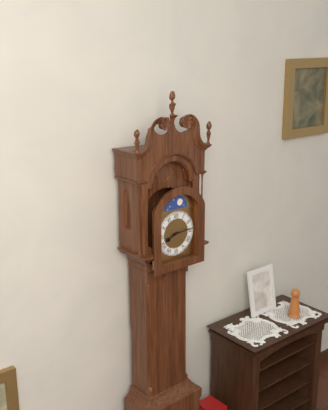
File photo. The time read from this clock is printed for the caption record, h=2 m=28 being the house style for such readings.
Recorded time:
h=8 m=14
